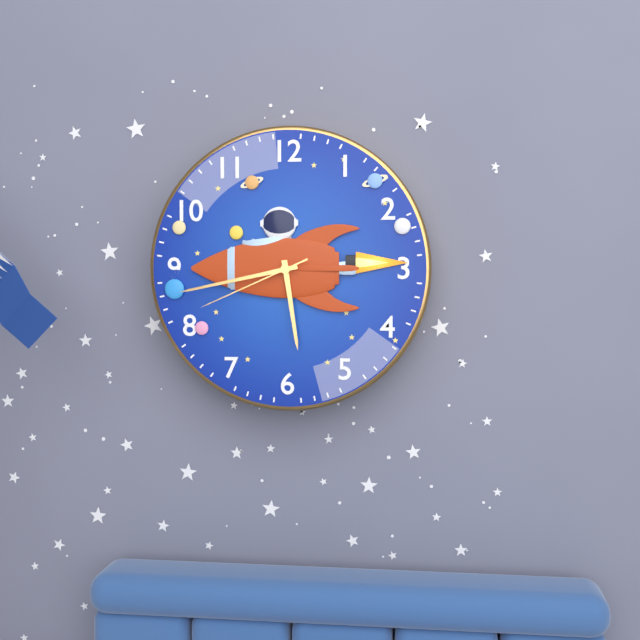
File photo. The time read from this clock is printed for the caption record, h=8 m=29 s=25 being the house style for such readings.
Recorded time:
h=5 m=43 s=41
